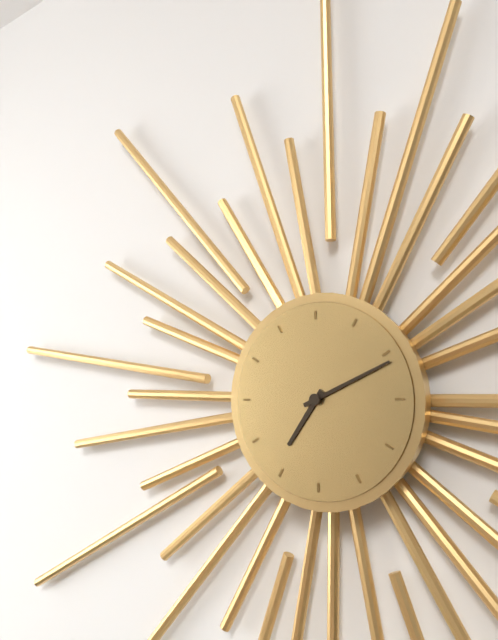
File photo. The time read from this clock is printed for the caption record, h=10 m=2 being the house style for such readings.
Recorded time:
h=7 m=11
